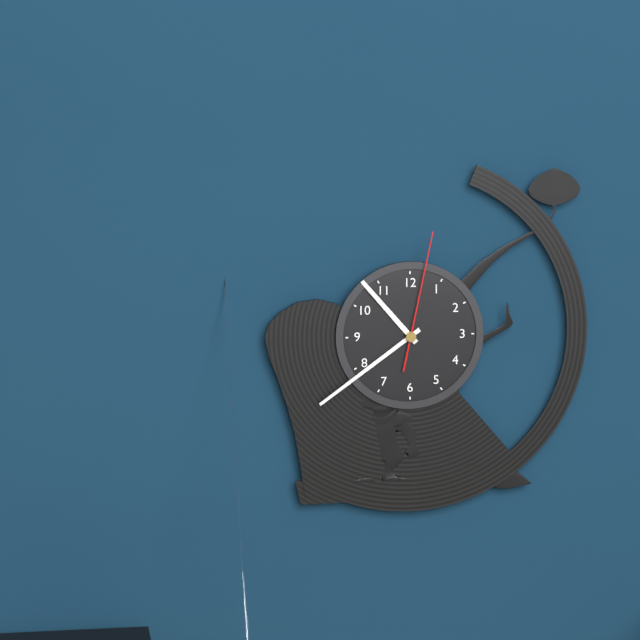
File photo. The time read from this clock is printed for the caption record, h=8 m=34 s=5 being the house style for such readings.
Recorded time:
h=10 m=39 s=2
